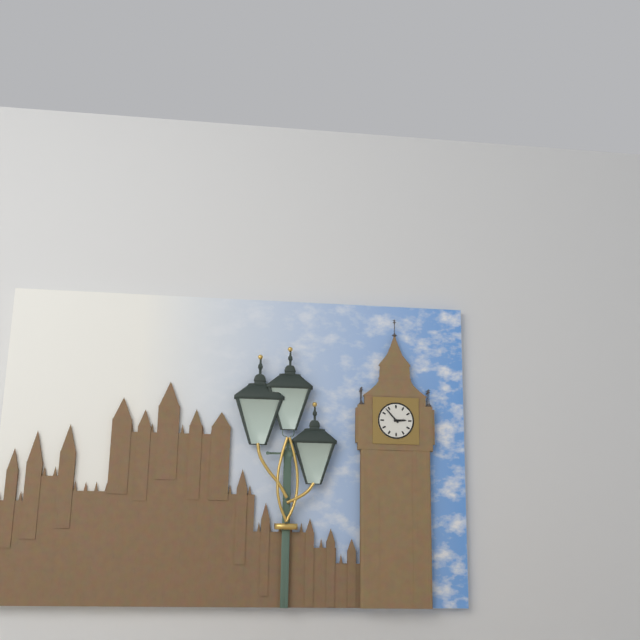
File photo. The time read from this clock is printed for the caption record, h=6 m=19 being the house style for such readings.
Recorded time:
h=2 m=53
